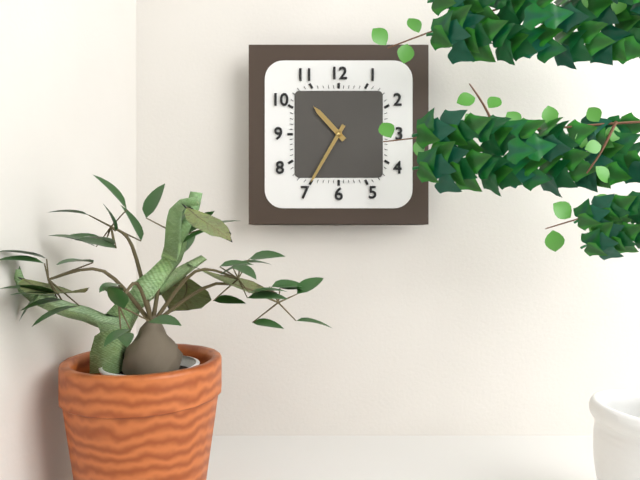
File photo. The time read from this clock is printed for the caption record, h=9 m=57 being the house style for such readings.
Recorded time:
h=10 m=35
